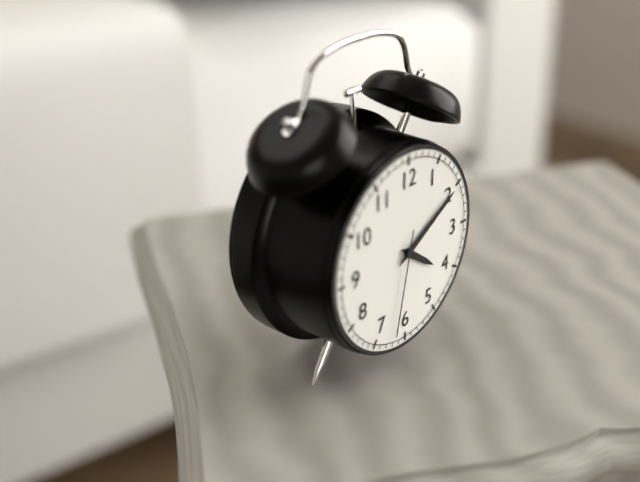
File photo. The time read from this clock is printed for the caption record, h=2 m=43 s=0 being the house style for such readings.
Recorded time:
h=4 m=10 s=32
